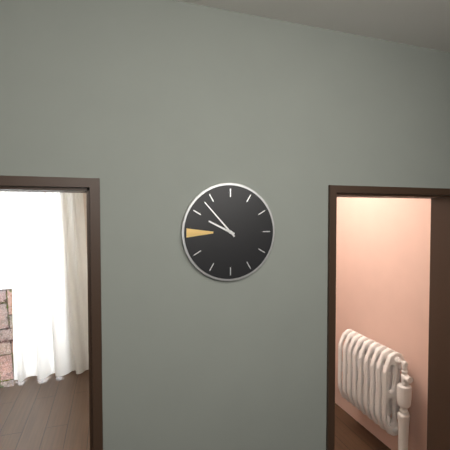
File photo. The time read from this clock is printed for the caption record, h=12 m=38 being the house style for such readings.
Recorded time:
h=9 m=53
